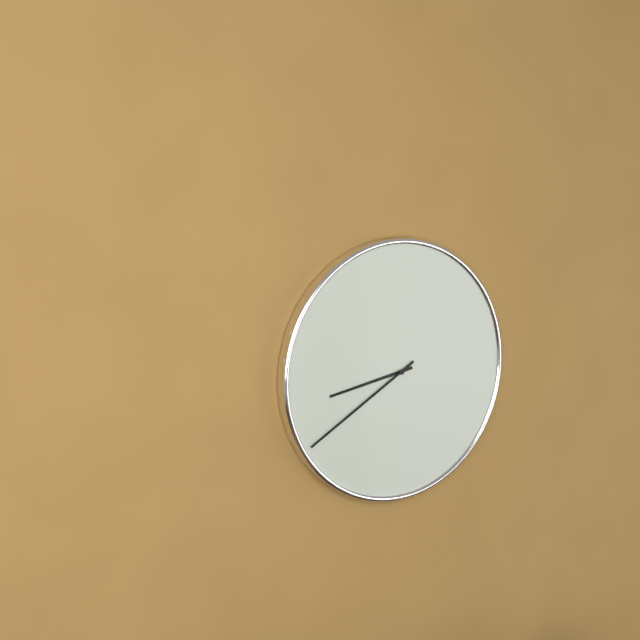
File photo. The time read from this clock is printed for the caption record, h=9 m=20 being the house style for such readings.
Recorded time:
h=8 m=40
